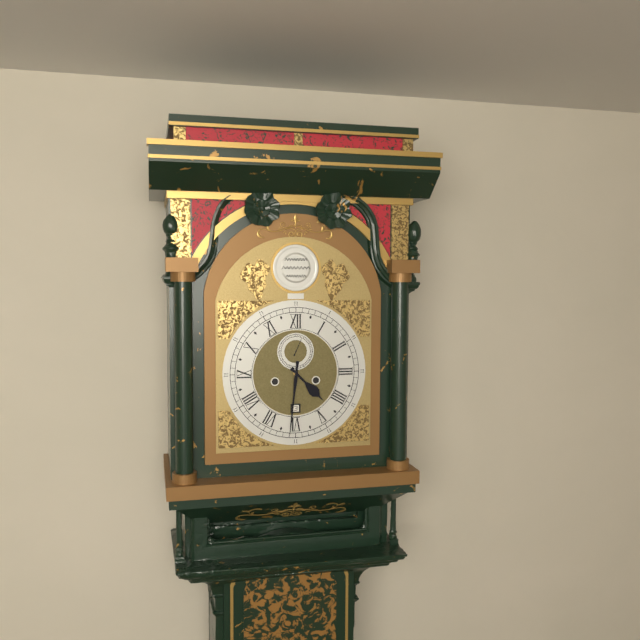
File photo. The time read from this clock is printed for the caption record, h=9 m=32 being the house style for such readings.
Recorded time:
h=4 m=31
